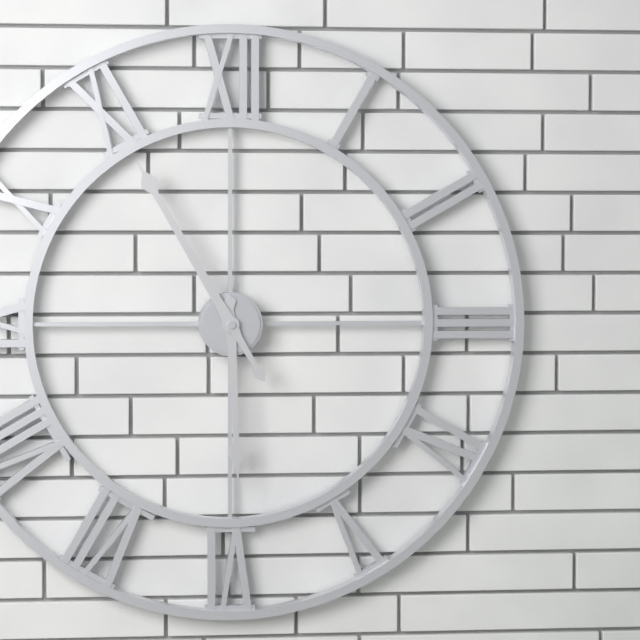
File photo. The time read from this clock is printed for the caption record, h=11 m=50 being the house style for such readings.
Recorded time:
h=5 m=55
